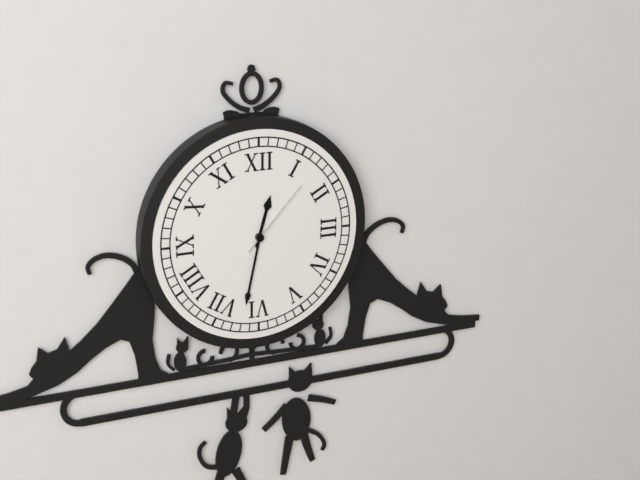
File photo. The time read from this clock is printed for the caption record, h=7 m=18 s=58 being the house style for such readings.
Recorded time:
h=12 m=32 s=7
